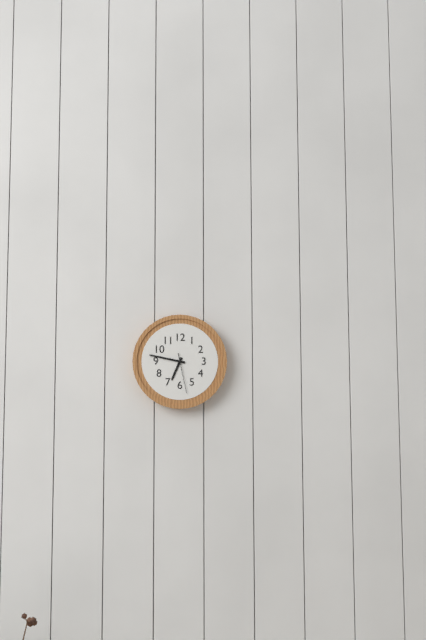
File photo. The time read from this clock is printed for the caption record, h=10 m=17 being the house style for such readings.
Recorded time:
h=6 m=47
